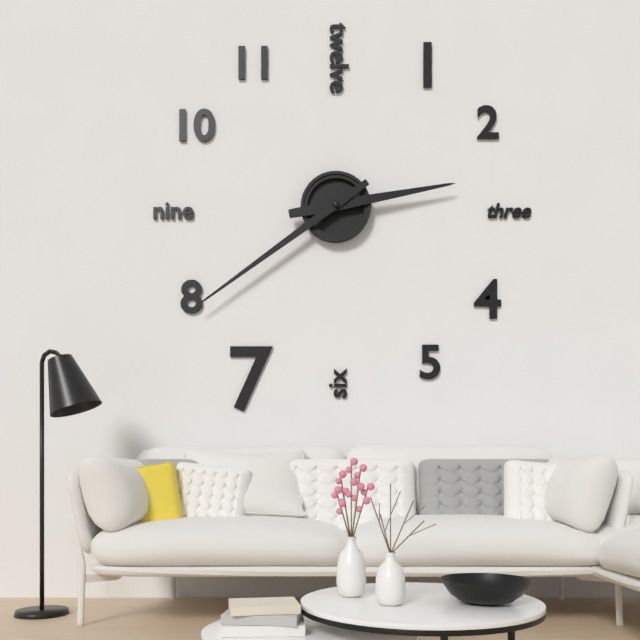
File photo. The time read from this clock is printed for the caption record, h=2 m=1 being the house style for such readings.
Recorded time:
h=2 m=39
